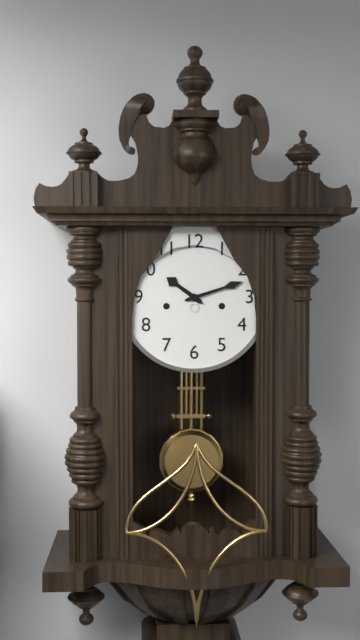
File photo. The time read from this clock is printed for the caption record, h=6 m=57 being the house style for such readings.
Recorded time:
h=10 m=12
